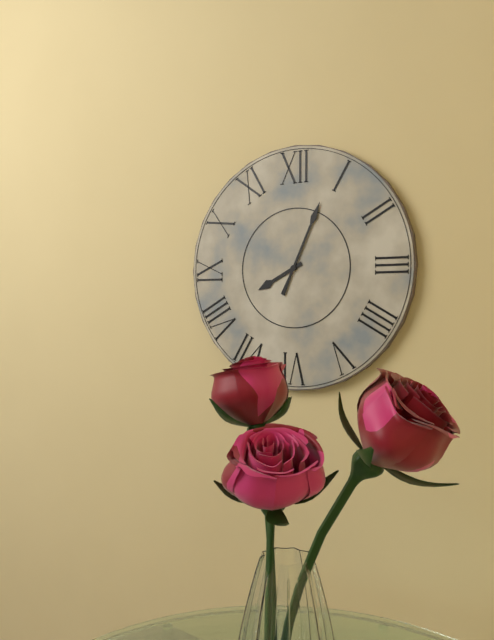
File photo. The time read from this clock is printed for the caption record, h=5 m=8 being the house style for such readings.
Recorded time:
h=8 m=4
